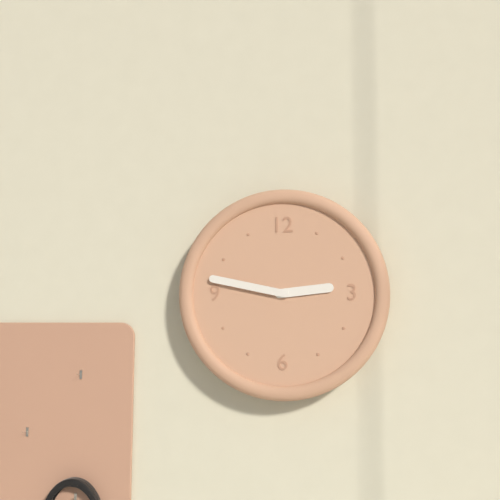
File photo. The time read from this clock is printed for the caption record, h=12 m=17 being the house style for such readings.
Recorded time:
h=2 m=47
